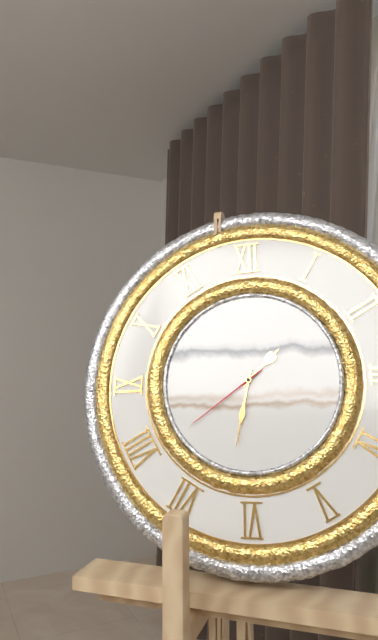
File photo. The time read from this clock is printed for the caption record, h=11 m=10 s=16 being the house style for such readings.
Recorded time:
h=1 m=32 s=39
